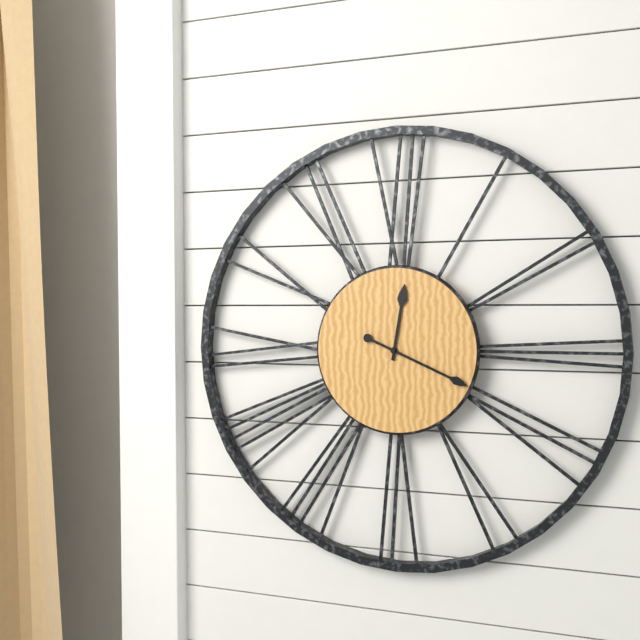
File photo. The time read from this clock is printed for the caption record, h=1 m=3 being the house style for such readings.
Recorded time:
h=12 m=19
